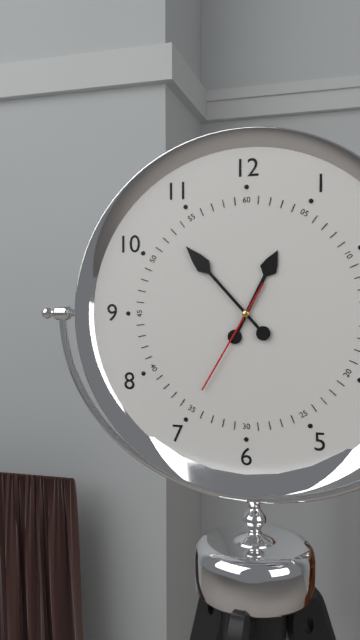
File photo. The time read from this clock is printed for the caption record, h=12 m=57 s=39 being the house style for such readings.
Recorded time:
h=12 m=53 s=35
